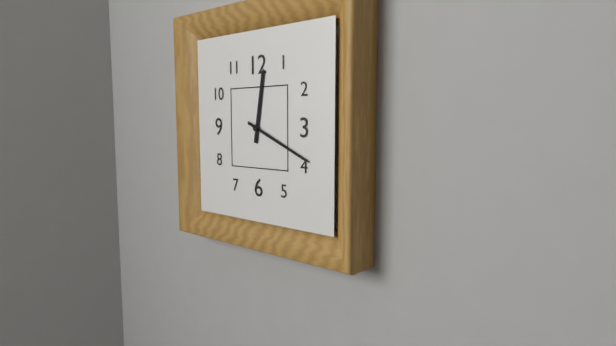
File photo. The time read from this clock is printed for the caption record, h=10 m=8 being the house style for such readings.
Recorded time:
h=12 m=19
